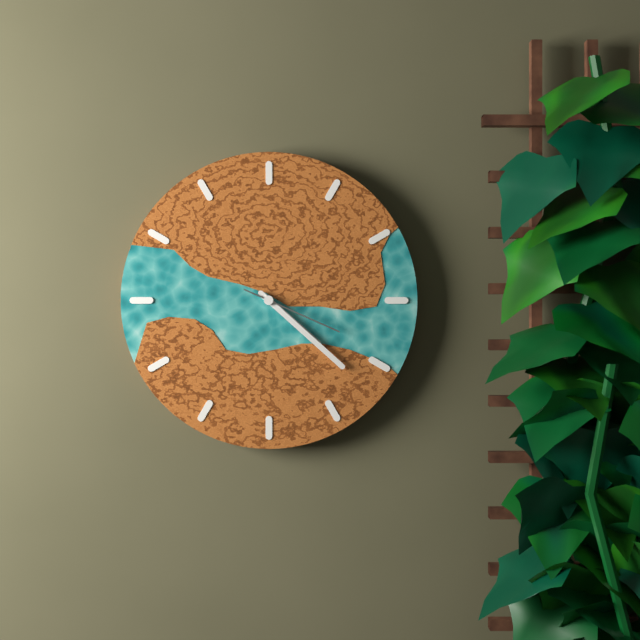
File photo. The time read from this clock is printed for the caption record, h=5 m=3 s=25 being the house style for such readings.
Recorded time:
h=4 m=22 s=19
